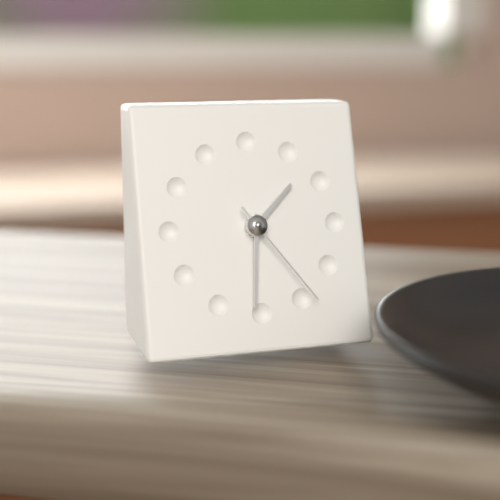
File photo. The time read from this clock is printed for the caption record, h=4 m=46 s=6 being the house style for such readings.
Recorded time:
h=1 m=31 s=24
